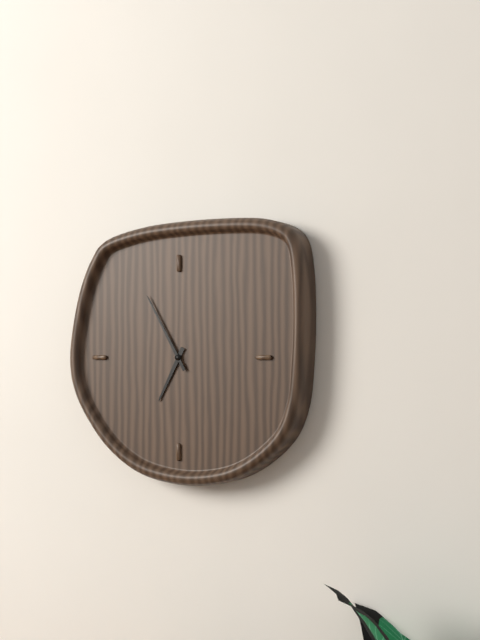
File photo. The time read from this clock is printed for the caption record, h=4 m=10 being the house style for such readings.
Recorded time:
h=6 m=55
